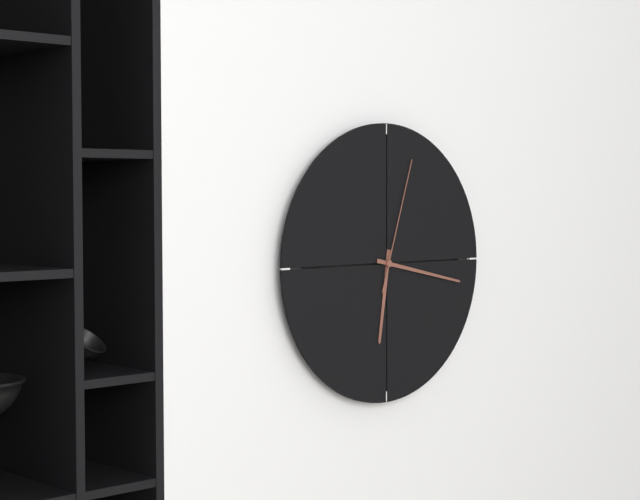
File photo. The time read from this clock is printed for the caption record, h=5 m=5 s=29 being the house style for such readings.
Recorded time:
h=6 m=17 s=3
